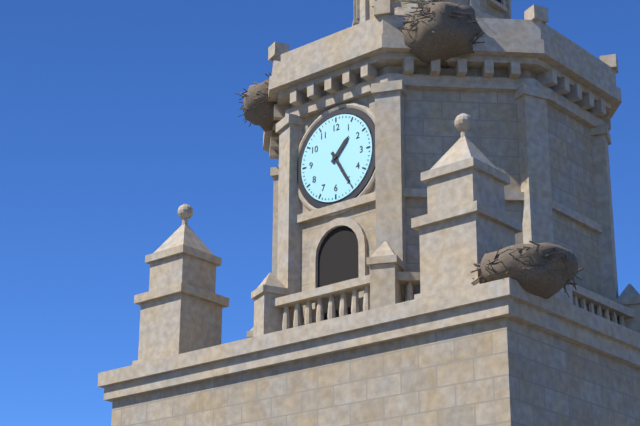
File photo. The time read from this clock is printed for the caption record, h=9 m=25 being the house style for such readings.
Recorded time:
h=1 m=25
